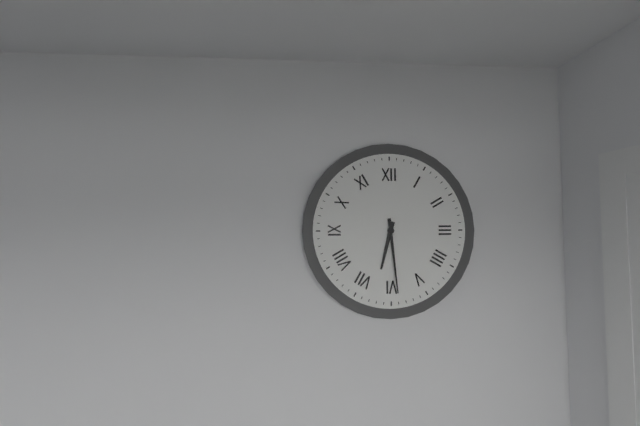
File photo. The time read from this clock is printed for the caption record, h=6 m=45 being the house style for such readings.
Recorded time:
h=6 m=29
